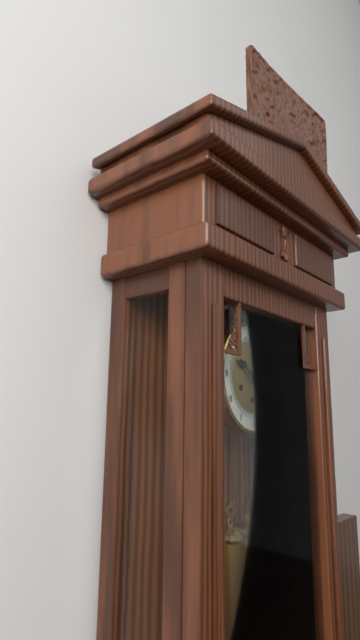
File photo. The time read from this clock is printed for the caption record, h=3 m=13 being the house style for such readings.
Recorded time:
h=10 m=6
